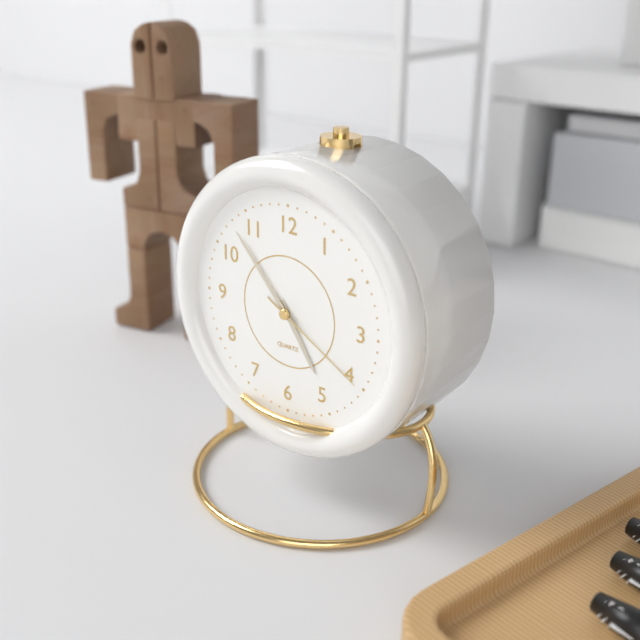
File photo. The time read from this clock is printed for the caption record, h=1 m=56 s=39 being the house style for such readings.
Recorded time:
h=4 m=53 s=20
